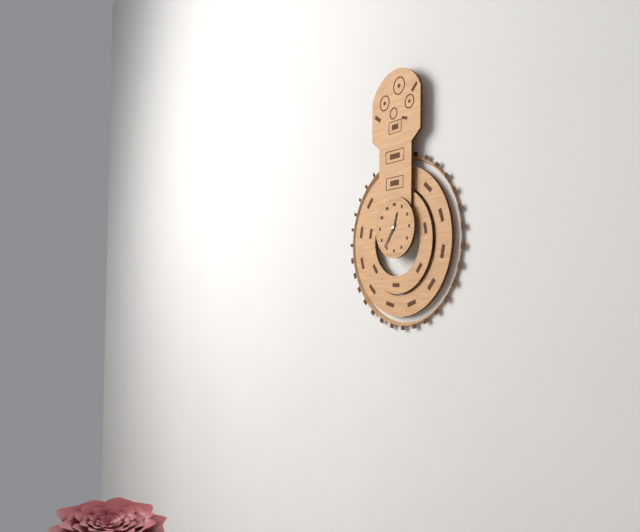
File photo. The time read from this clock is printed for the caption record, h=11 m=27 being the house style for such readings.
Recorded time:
h=12 m=36
